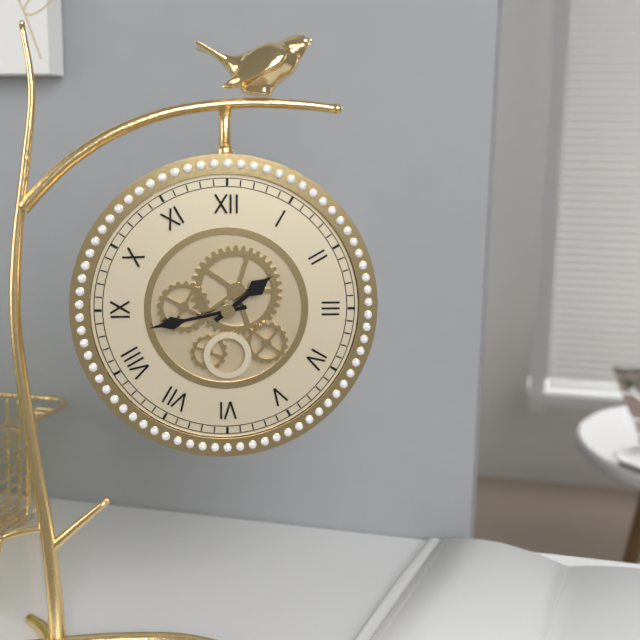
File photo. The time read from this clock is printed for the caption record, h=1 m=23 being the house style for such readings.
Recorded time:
h=1 m=43
